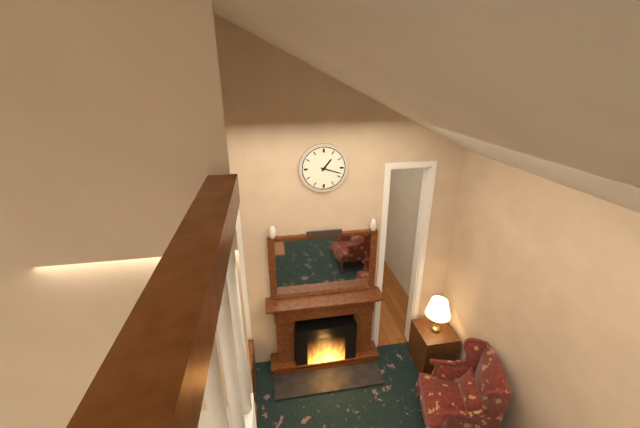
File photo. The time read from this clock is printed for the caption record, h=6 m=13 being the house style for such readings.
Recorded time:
h=1 m=18
